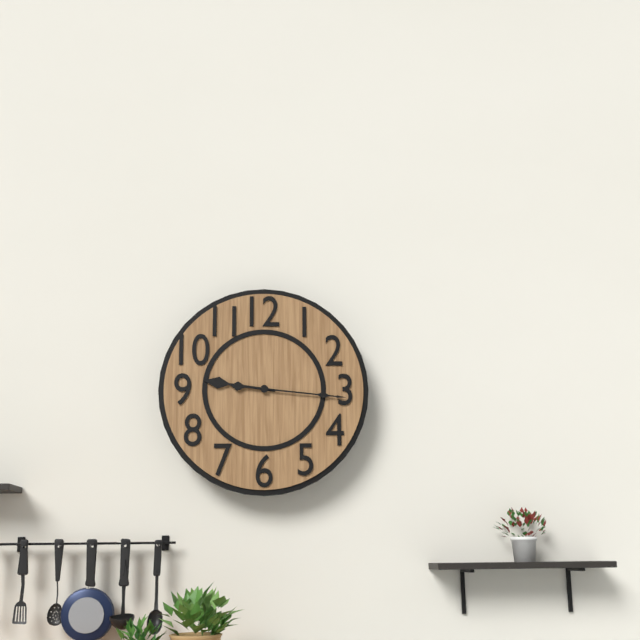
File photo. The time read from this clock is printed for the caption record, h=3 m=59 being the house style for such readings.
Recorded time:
h=9 m=16
